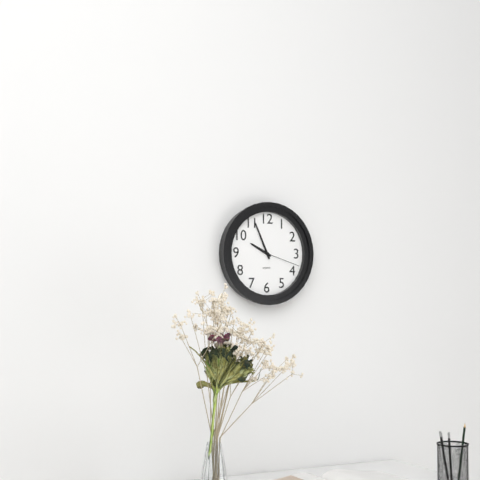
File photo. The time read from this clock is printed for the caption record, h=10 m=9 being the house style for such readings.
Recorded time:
h=9 m=56
